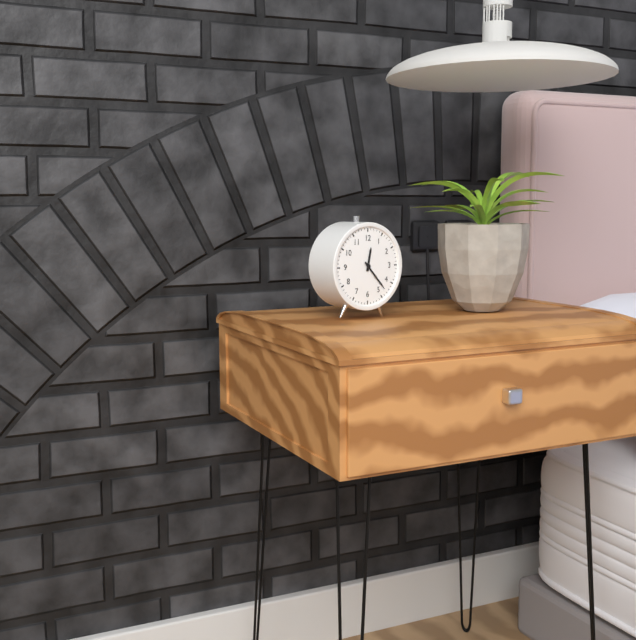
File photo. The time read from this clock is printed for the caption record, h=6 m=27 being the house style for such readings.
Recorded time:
h=12 m=23
